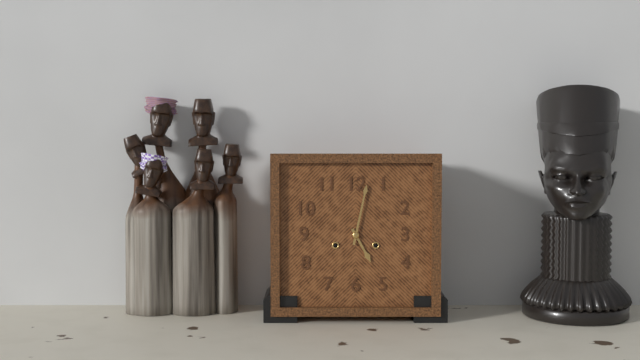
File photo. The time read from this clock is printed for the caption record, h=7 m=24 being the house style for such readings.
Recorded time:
h=5 m=2
